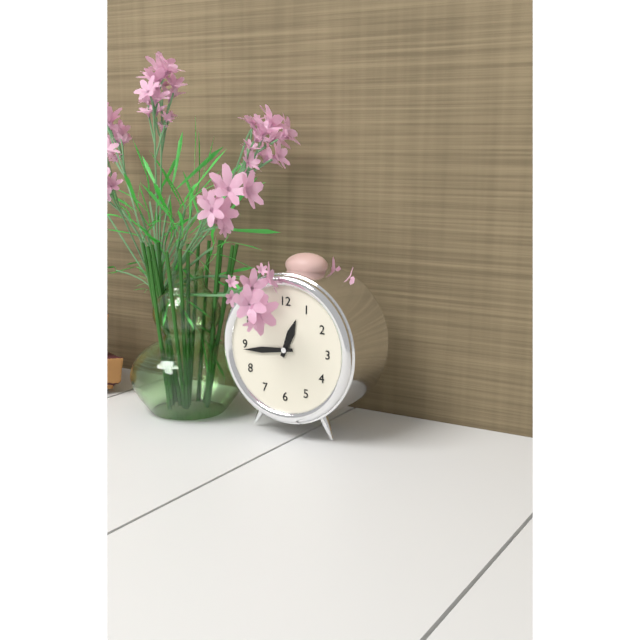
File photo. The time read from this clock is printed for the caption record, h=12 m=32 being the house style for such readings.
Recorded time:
h=12 m=44
